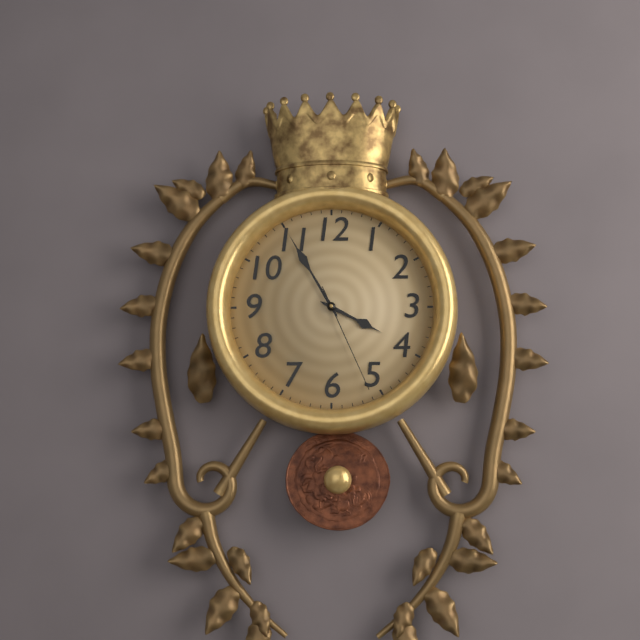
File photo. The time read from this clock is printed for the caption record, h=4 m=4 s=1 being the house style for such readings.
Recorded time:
h=3 m=55 s=26
